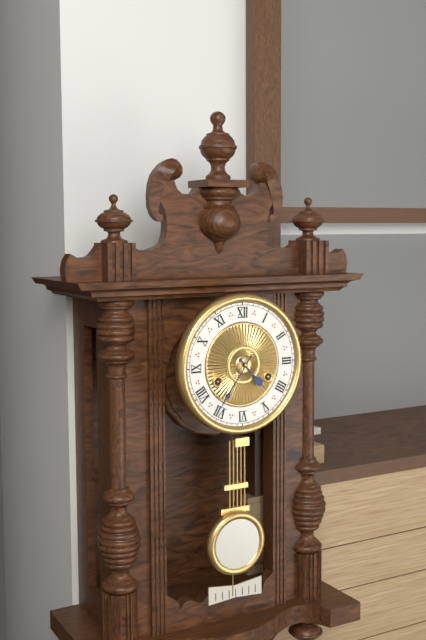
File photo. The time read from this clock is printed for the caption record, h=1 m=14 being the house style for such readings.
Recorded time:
h=4 m=36
